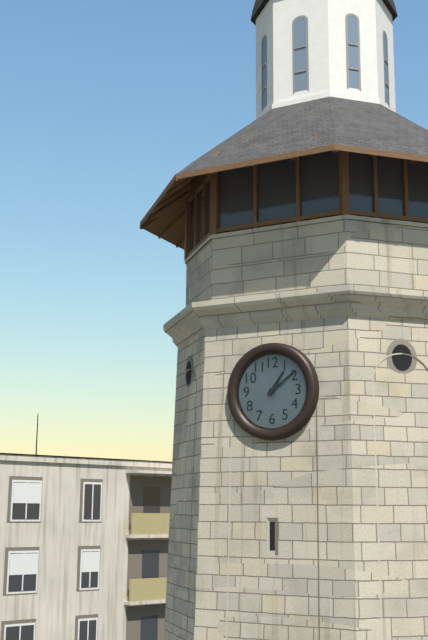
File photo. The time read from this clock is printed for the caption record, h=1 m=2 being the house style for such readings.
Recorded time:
h=1 m=9
